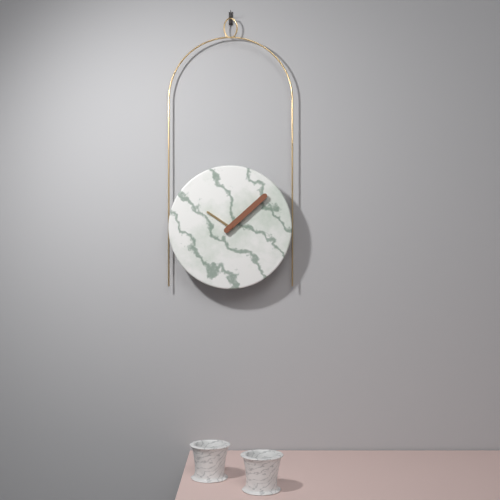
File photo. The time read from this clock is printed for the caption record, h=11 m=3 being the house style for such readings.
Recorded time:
h=10 m=8
